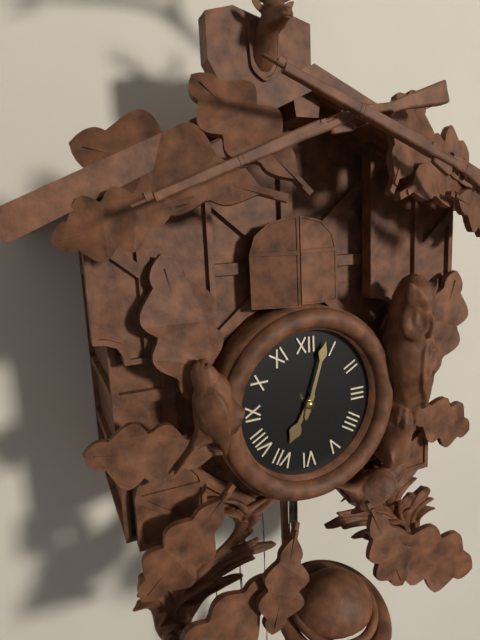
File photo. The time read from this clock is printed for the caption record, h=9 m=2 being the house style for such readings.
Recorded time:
h=7 m=3
